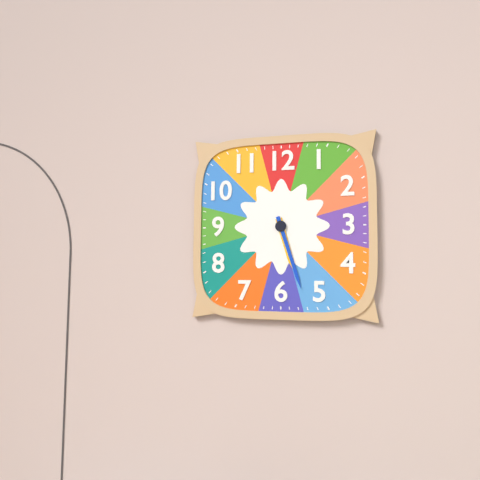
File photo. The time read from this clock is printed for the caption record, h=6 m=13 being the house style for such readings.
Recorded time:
h=5 m=27
